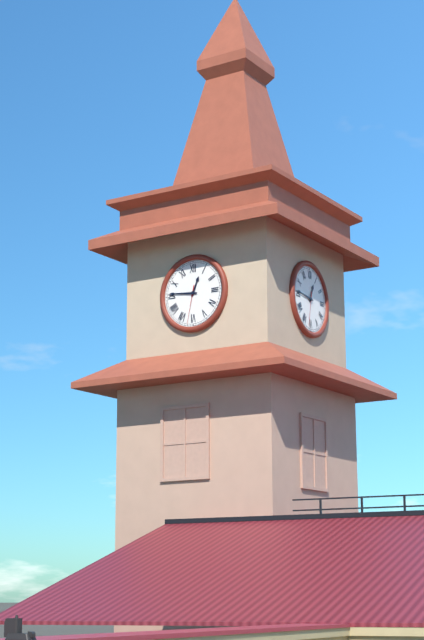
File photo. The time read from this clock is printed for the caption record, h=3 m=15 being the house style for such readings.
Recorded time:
h=12 m=46
